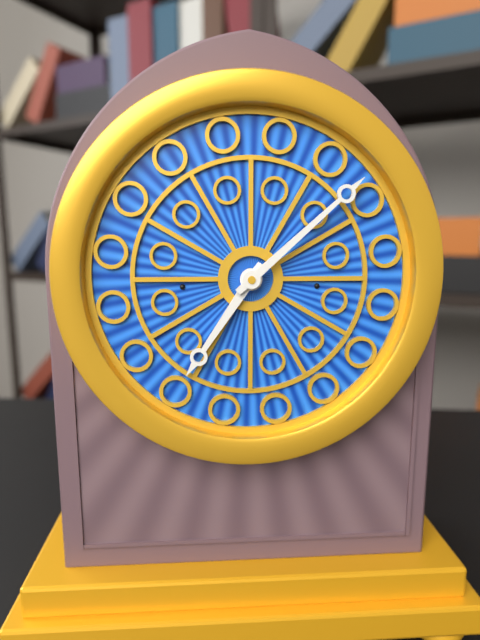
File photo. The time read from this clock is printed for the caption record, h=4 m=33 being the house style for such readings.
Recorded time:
h=7 m=8
